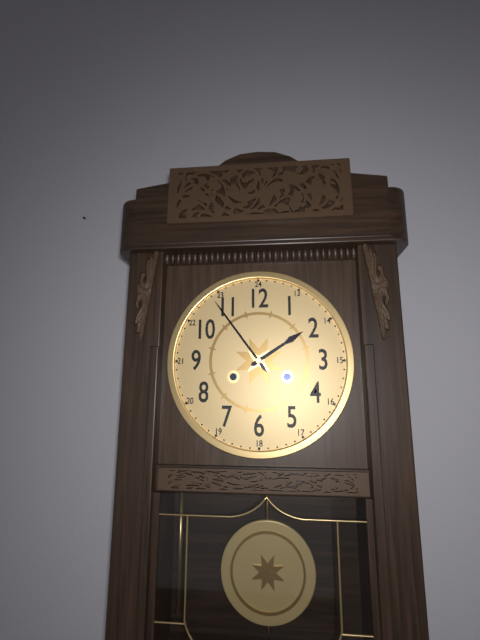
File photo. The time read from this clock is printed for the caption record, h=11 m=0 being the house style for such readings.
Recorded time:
h=1 m=54
